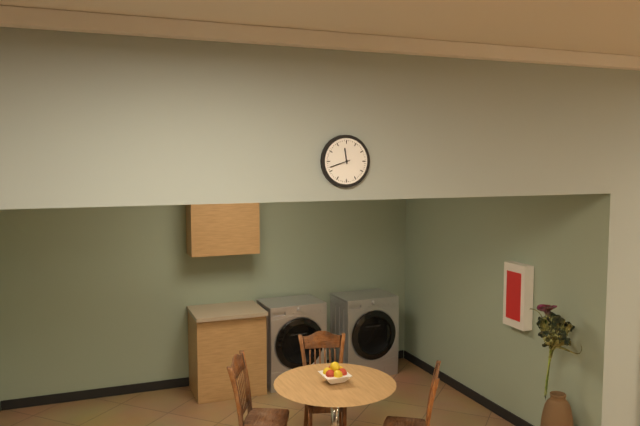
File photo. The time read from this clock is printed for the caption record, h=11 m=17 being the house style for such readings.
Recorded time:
h=11 m=42
